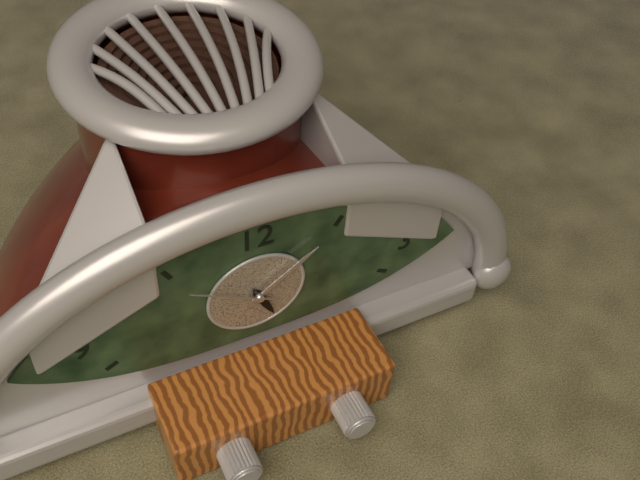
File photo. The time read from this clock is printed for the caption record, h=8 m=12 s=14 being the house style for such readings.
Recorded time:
h=5 m=9 s=50
